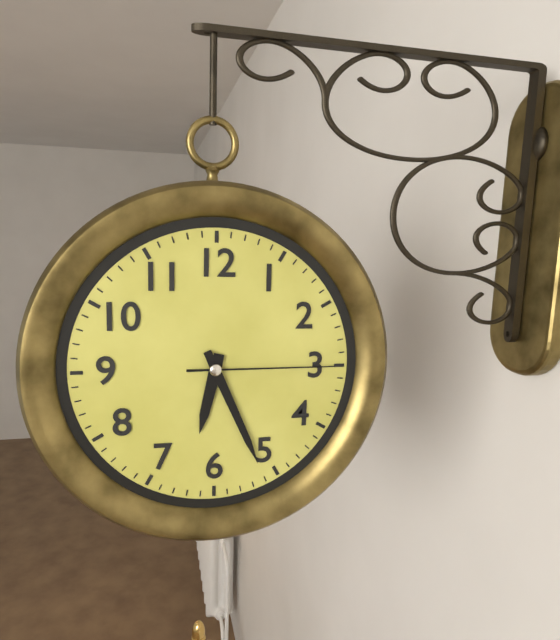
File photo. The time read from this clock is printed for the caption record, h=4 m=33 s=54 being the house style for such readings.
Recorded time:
h=6 m=26 s=15
